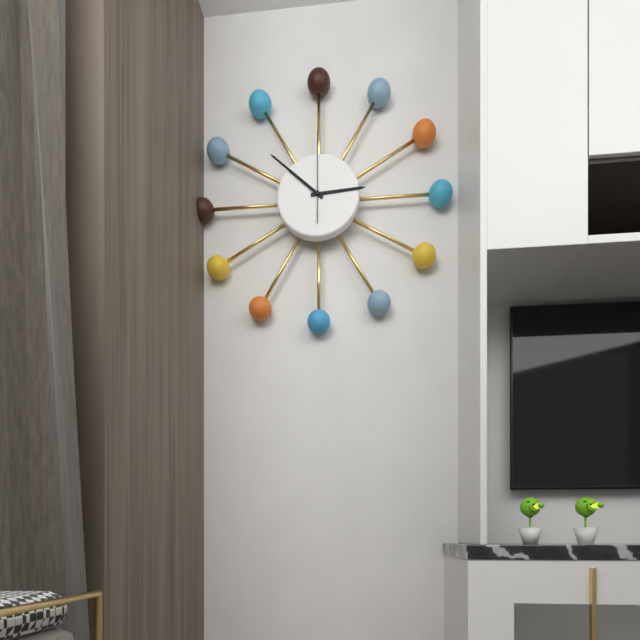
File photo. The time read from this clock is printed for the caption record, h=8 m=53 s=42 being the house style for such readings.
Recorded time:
h=2 m=52 s=0
